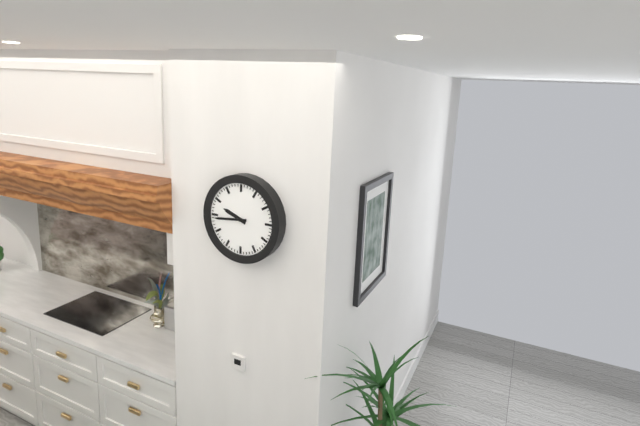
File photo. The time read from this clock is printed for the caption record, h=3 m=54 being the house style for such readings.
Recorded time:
h=9 m=44
